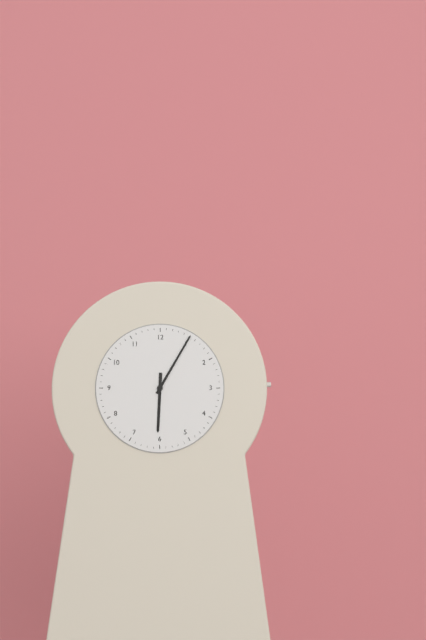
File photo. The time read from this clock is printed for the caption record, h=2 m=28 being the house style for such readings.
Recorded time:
h=6 m=5
